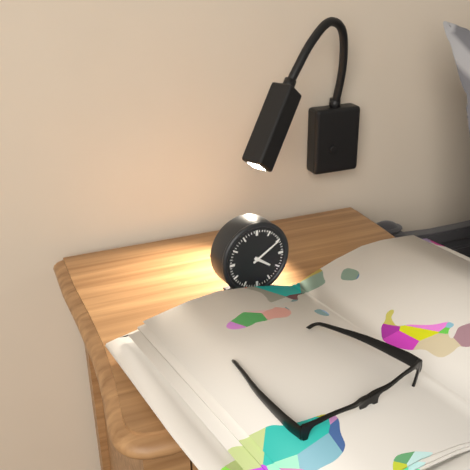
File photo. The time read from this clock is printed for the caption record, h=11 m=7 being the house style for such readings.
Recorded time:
h=4 m=10
